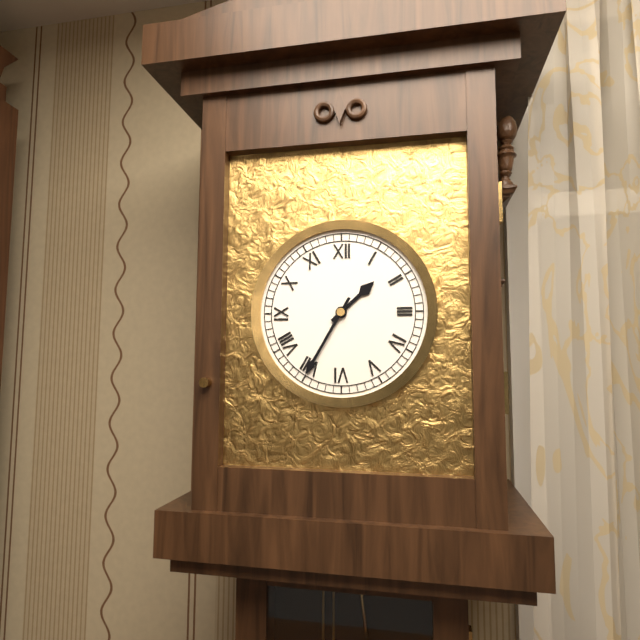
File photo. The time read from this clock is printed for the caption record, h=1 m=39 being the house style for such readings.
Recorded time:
h=1 m=35
